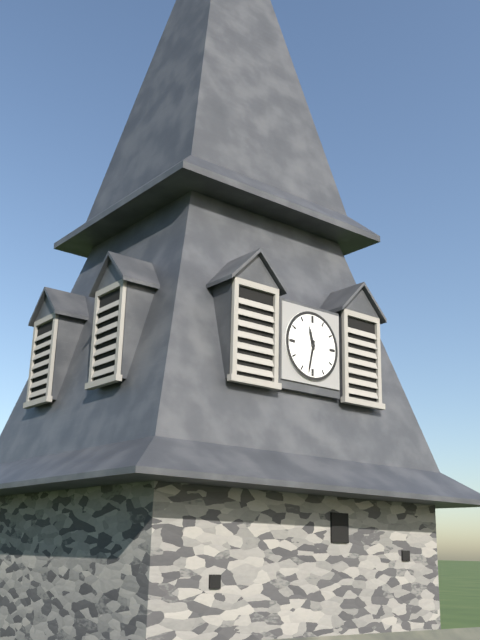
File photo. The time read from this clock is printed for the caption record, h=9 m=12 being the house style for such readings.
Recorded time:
h=11 m=32
